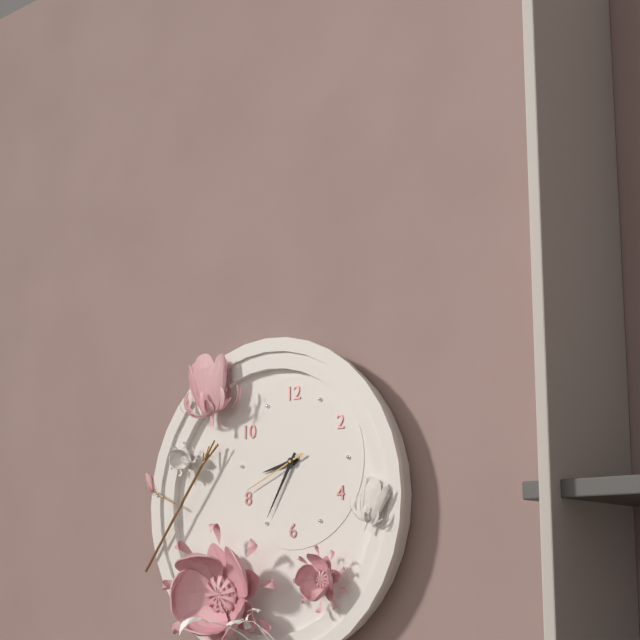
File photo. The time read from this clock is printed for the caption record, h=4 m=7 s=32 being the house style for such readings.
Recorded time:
h=8 m=35 s=41
